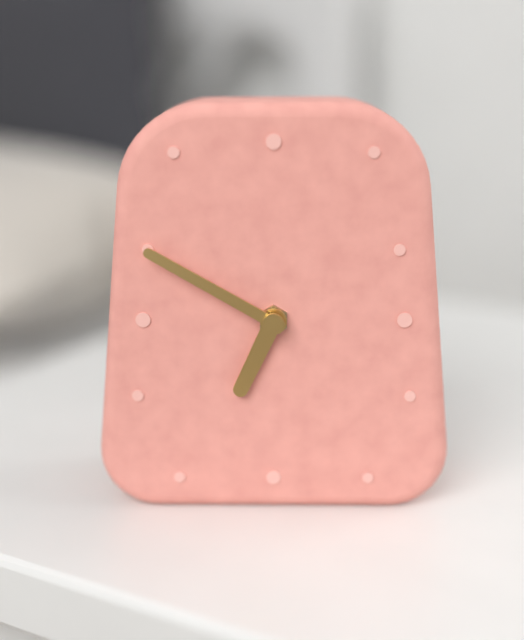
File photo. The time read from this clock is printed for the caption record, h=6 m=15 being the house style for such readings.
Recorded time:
h=6 m=50
